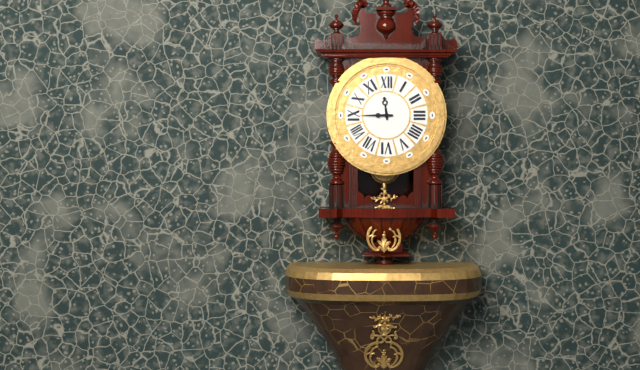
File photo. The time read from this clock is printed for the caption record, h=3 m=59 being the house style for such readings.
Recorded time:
h=11 m=45
